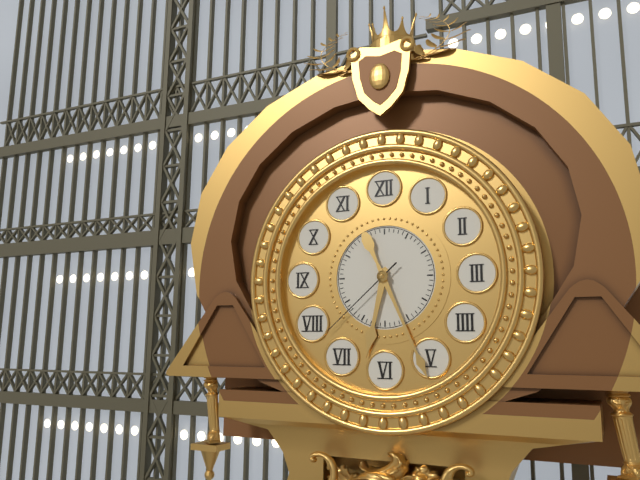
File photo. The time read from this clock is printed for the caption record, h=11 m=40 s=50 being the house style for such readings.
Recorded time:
h=6 m=26 s=38
